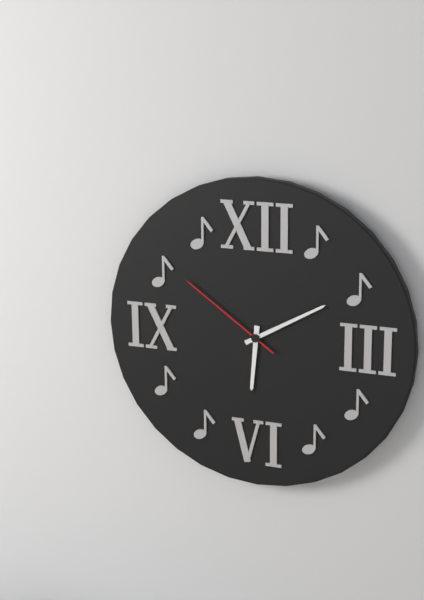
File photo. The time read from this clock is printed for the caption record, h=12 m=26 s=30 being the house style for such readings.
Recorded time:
h=6 m=10 s=51
